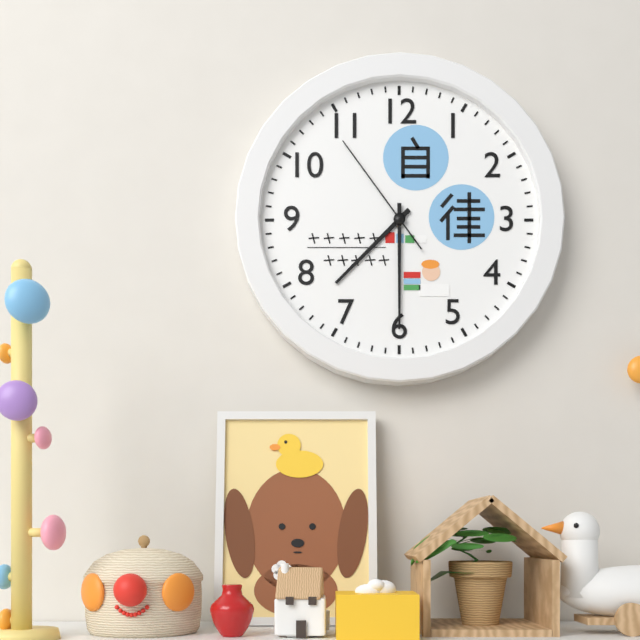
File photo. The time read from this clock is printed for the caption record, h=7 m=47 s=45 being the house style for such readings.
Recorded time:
h=7 m=30 s=54
